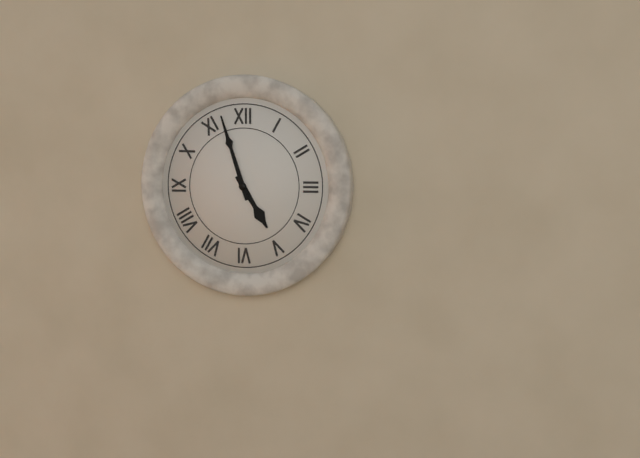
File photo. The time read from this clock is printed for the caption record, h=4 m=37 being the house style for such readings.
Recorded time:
h=4 m=57
